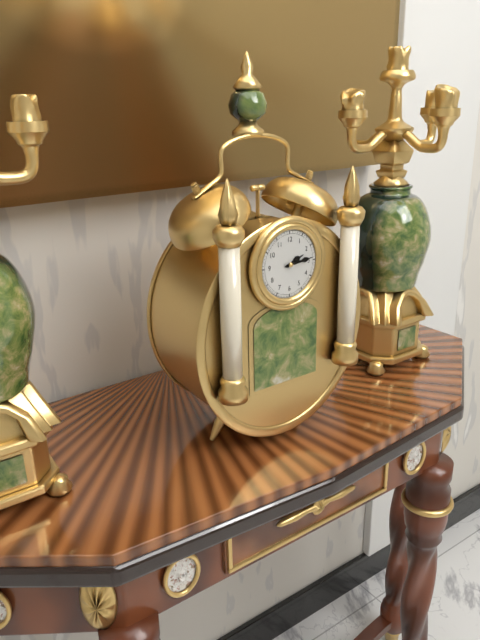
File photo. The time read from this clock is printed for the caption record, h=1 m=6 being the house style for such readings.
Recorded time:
h=2 m=14
